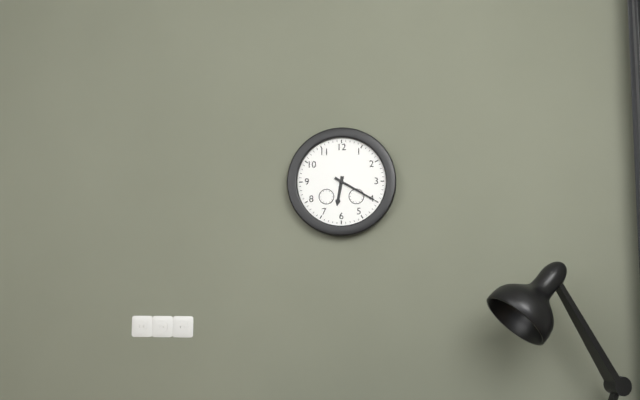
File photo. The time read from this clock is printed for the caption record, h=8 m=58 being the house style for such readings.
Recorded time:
h=6 m=20
